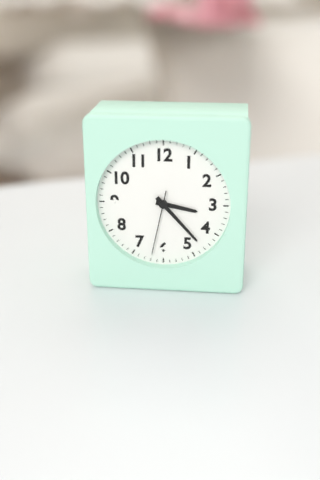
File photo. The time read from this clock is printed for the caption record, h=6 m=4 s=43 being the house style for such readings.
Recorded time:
h=3 m=23 s=32
